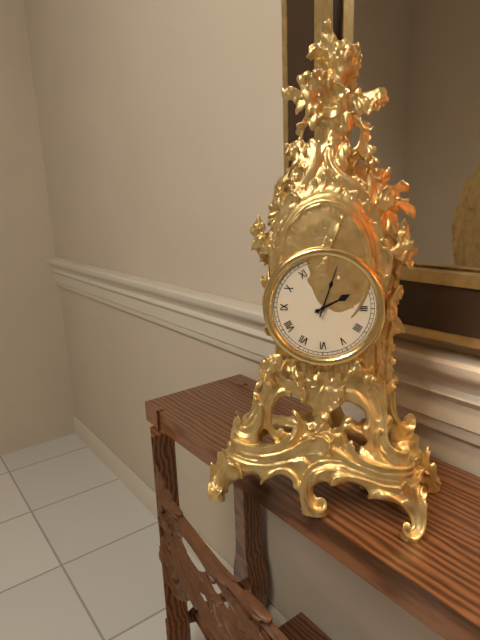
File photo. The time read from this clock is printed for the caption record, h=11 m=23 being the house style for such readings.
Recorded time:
h=2 m=3
